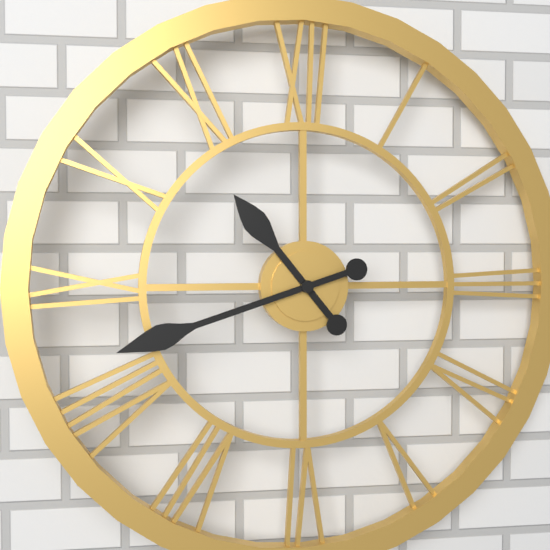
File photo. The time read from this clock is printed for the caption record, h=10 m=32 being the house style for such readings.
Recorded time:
h=10 m=42
